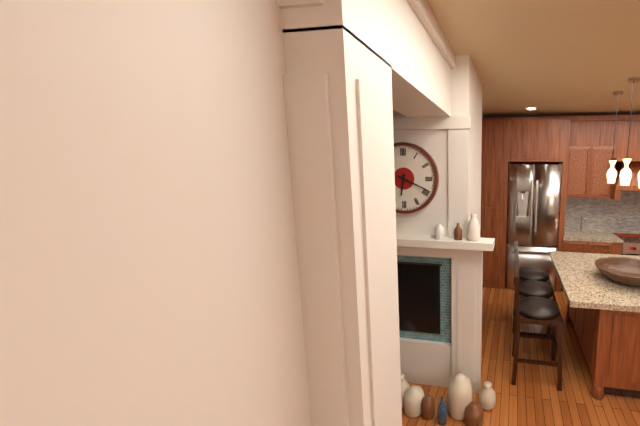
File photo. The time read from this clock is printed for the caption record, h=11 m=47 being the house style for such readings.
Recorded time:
h=6 m=19
